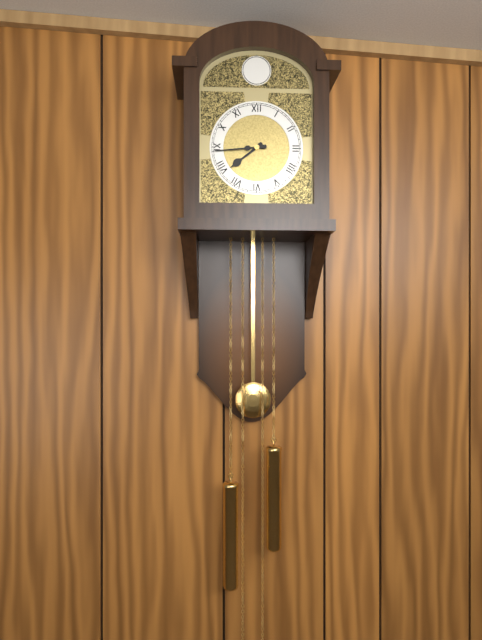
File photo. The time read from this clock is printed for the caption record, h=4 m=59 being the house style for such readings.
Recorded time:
h=7 m=44
